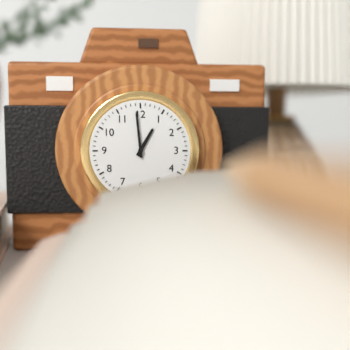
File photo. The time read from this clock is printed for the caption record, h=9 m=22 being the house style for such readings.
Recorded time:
h=12 m=59
